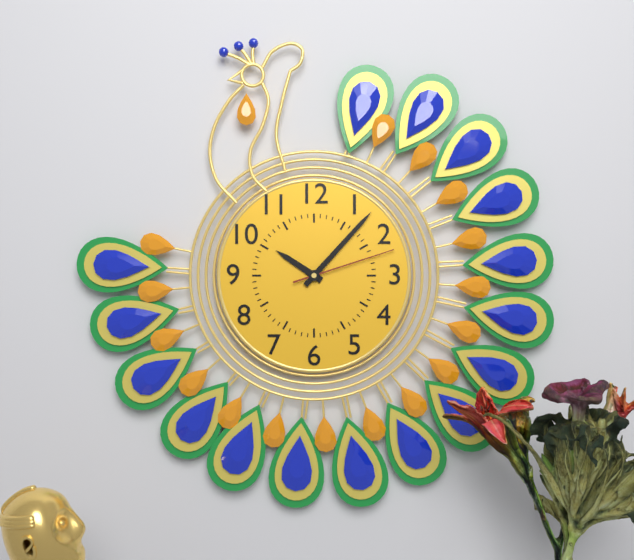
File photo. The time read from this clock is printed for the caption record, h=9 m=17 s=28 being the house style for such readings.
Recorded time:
h=10 m=7 s=12
